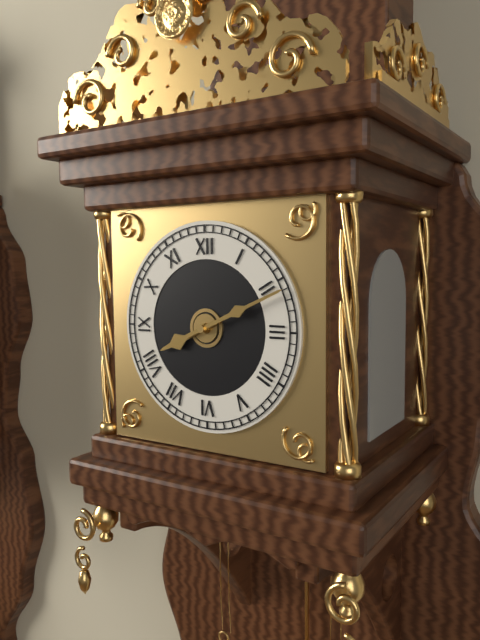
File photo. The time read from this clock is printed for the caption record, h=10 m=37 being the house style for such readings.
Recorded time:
h=8 m=11
